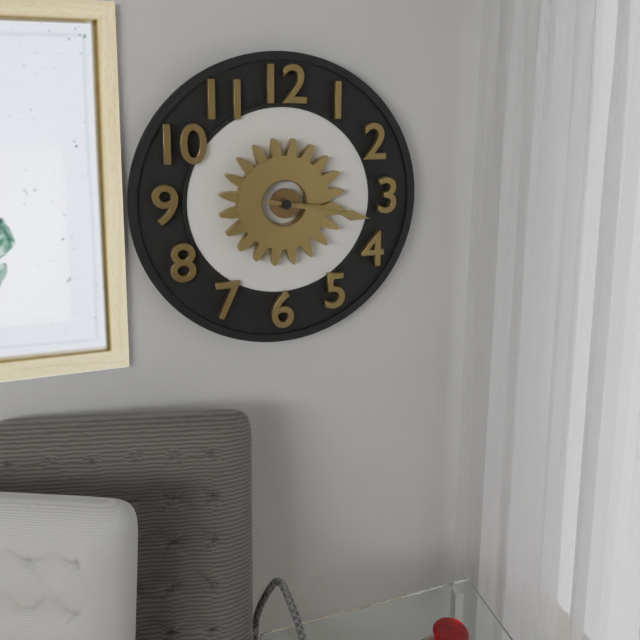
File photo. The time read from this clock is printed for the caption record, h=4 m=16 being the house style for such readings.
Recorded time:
h=3 m=17
